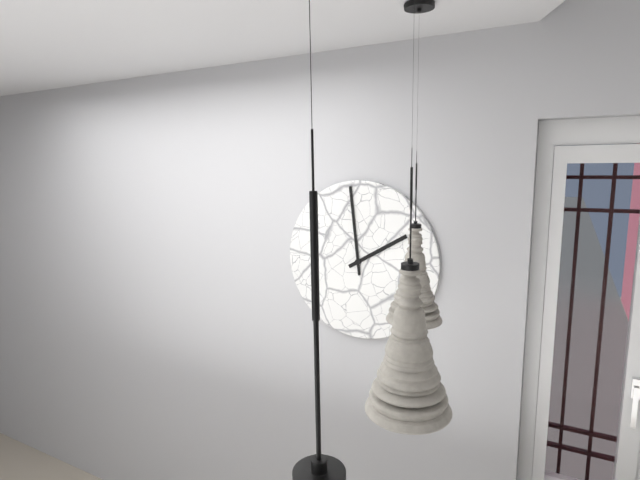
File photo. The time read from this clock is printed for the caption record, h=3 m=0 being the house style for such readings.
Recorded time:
h=1 m=59
